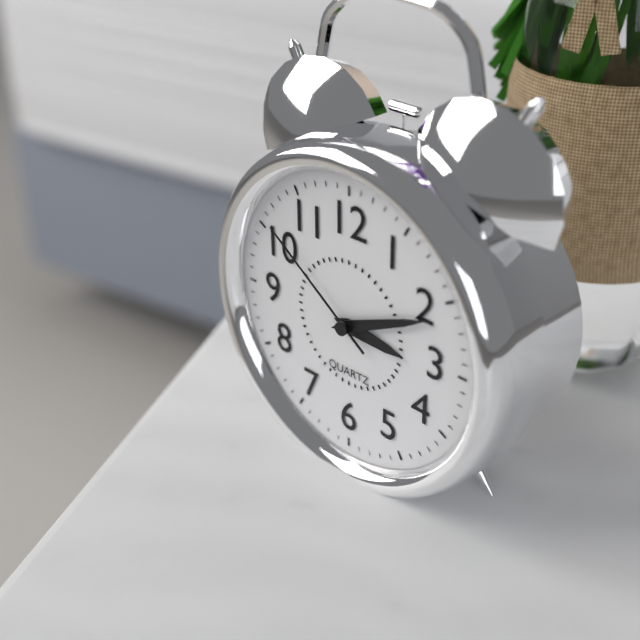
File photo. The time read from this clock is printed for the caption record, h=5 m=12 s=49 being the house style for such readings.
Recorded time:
h=3 m=11 s=51
